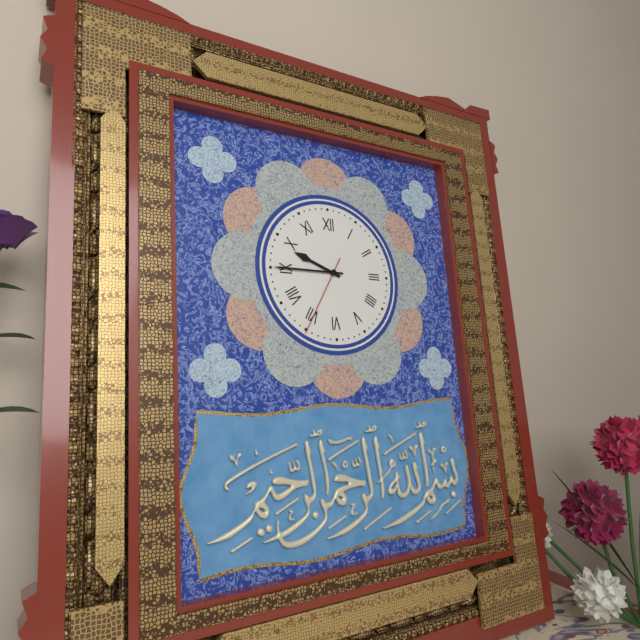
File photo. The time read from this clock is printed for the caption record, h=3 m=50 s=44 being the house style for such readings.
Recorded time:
h=9 m=45 s=35
